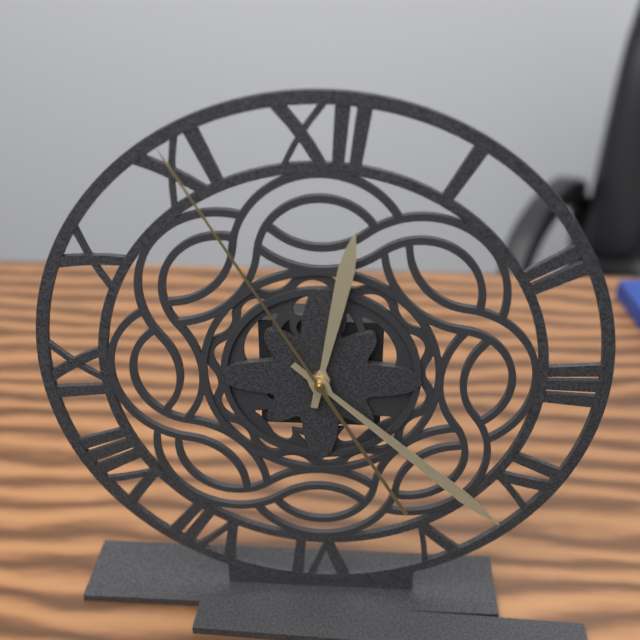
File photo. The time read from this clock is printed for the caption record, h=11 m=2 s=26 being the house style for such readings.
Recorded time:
h=12 m=22 s=55
